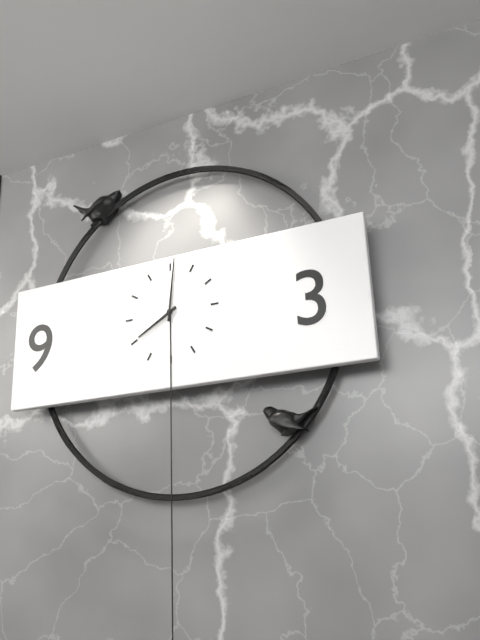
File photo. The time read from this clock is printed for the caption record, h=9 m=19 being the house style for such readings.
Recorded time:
h=8 m=1
